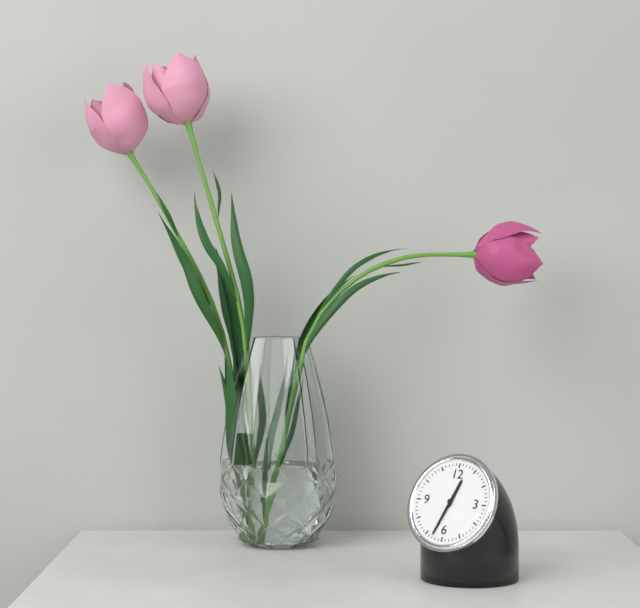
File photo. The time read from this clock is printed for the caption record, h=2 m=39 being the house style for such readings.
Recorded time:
h=12 m=33
